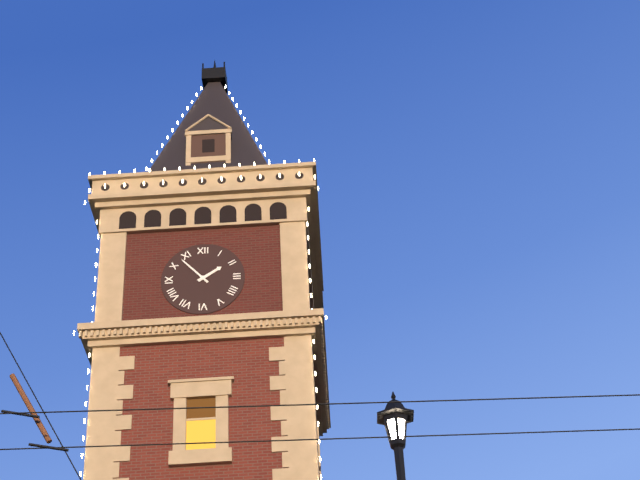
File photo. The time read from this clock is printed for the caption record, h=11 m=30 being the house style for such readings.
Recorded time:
h=1 m=53
